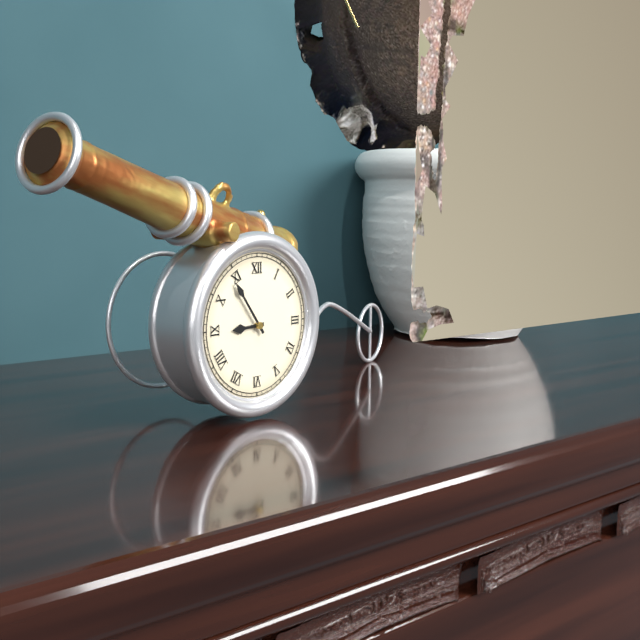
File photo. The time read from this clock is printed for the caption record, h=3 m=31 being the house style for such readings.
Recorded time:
h=8 m=54
